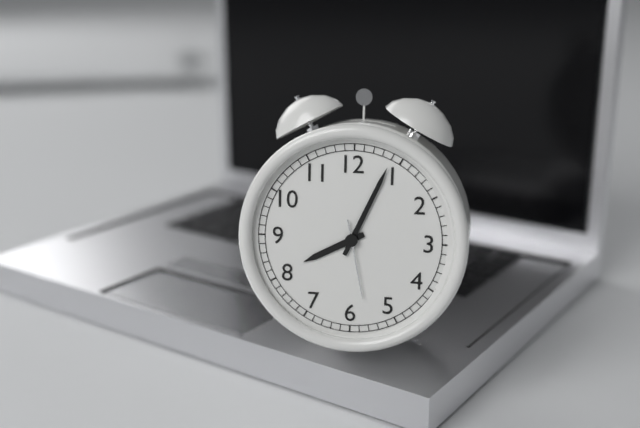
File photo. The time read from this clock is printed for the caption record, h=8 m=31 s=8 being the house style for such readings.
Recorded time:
h=8 m=4 s=28
